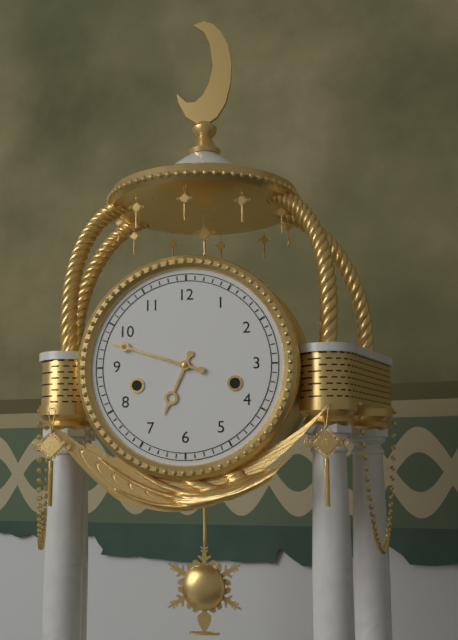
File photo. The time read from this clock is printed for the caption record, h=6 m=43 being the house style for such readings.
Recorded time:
h=6 m=48
